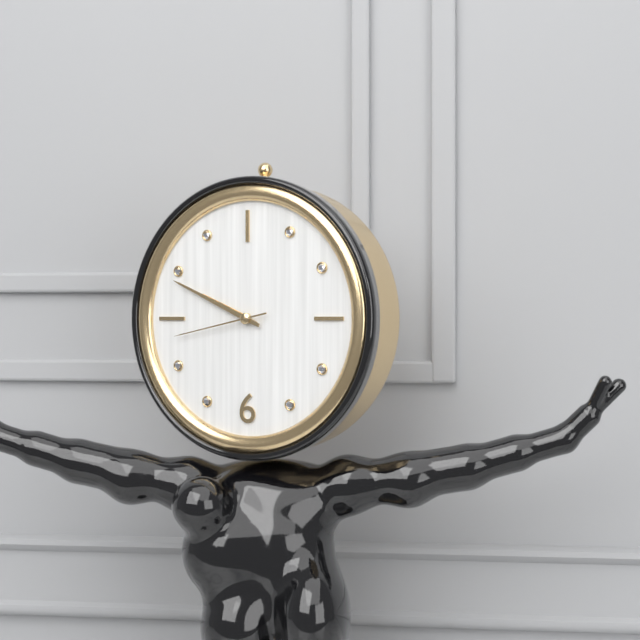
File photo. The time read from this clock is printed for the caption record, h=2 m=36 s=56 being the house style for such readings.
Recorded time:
h=9 m=49 s=43
